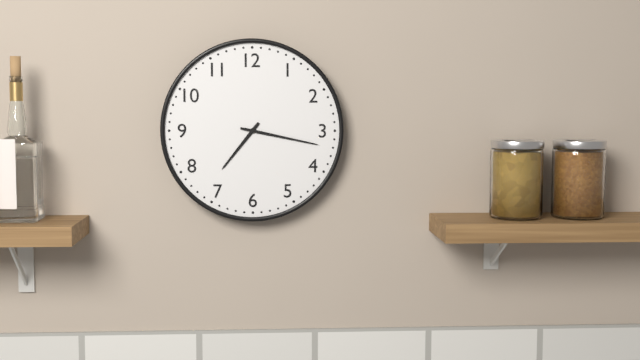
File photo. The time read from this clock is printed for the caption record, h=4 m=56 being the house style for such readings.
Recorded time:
h=7 m=17
